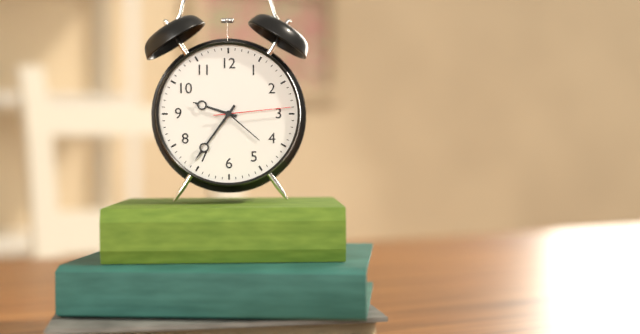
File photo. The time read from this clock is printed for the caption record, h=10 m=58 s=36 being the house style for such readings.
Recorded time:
h=9 m=36 s=14
